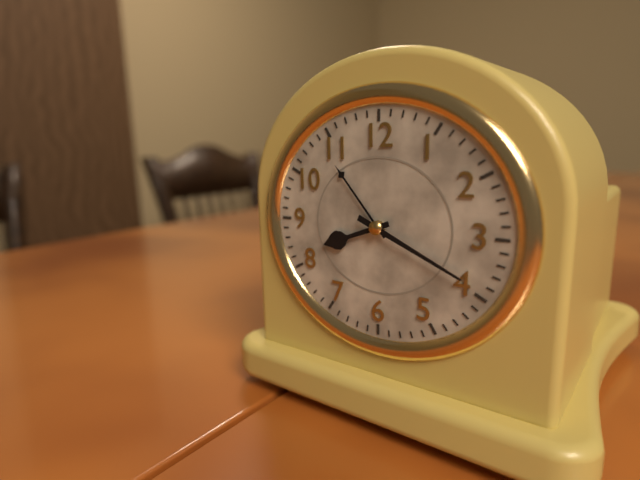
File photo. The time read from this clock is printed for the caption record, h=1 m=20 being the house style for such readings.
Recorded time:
h=8 m=19
